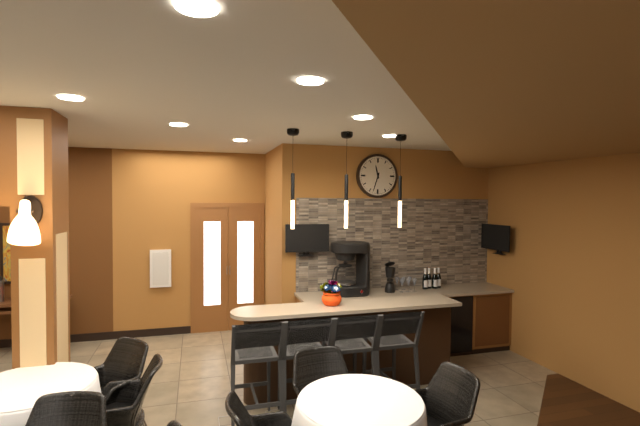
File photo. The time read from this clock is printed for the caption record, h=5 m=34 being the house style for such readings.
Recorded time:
h=11 m=33
